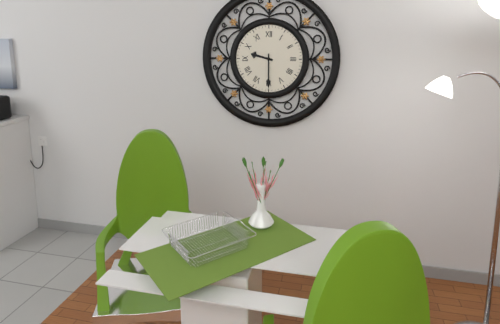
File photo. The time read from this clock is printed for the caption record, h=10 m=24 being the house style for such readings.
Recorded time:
h=9 m=30
